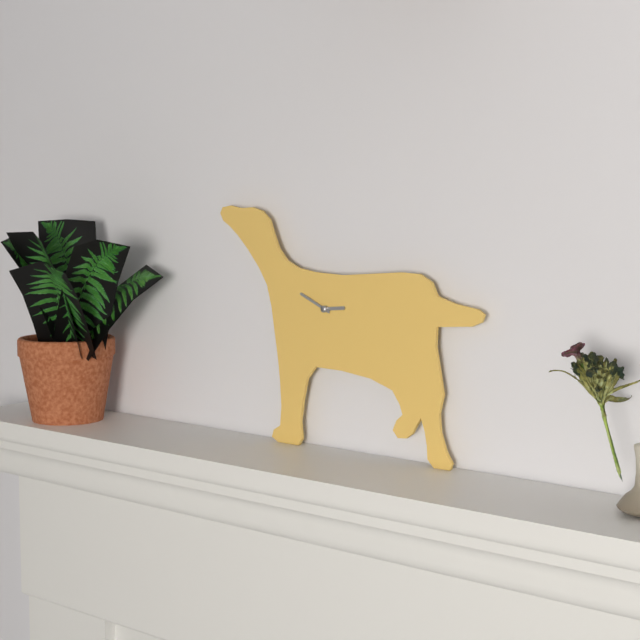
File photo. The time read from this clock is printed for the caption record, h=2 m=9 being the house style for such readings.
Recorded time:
h=2 m=49
